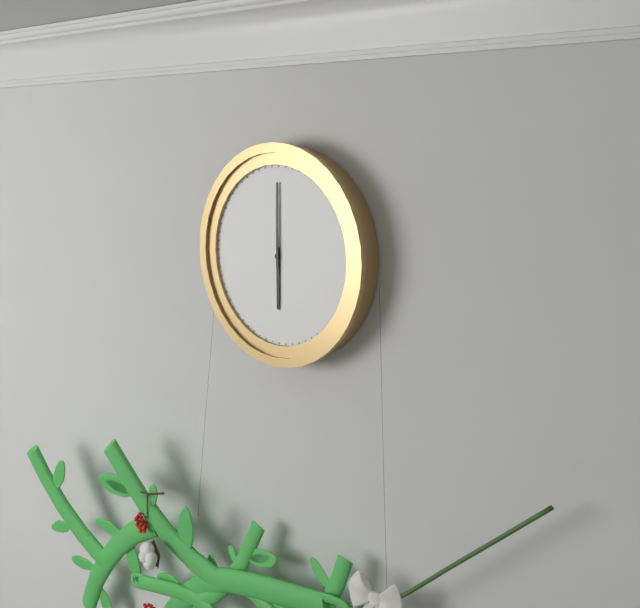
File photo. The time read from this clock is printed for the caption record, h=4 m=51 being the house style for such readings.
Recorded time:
h=6 m=0
